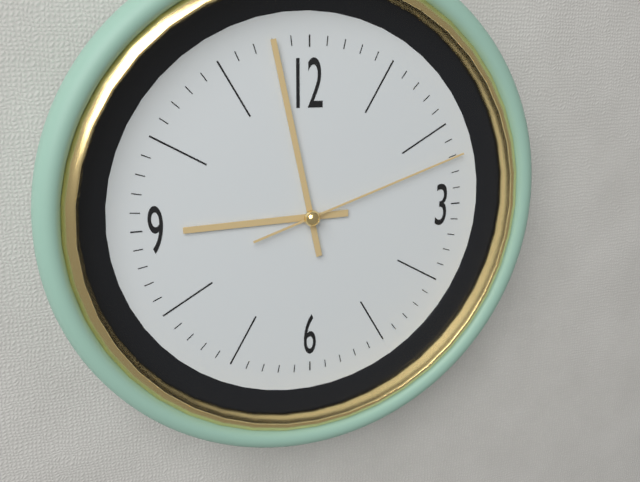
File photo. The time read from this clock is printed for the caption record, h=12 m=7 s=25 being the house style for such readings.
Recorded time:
h=8 m=58 s=12
